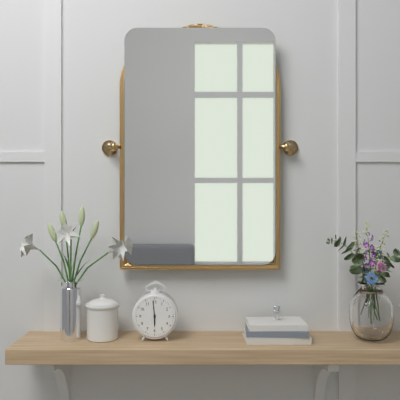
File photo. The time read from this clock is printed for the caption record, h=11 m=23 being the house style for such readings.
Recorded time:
h=5 m=59
